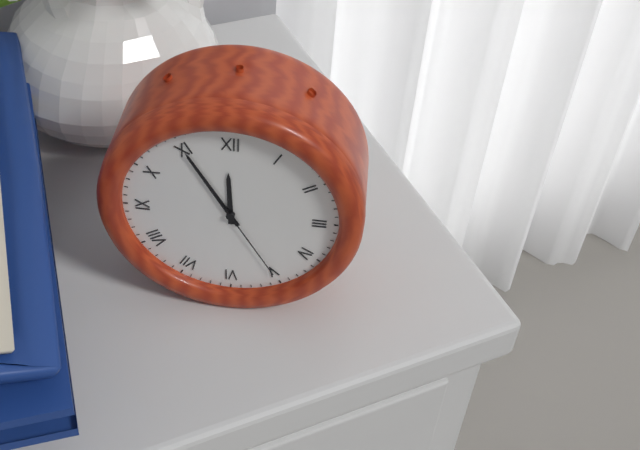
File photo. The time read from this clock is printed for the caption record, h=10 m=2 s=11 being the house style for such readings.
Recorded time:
h=11 m=55 s=25
